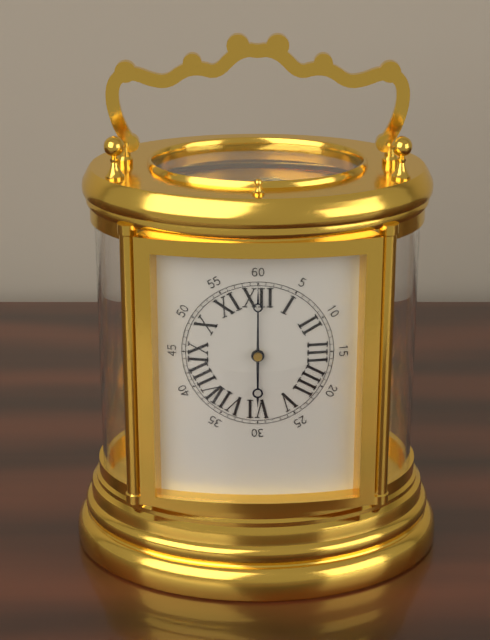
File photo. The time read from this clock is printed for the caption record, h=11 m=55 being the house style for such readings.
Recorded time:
h=6 m=0
